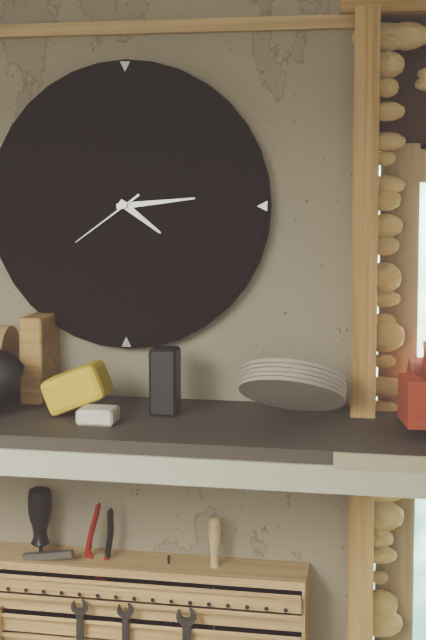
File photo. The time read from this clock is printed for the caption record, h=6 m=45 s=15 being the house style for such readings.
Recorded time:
h=4 m=14 s=39
